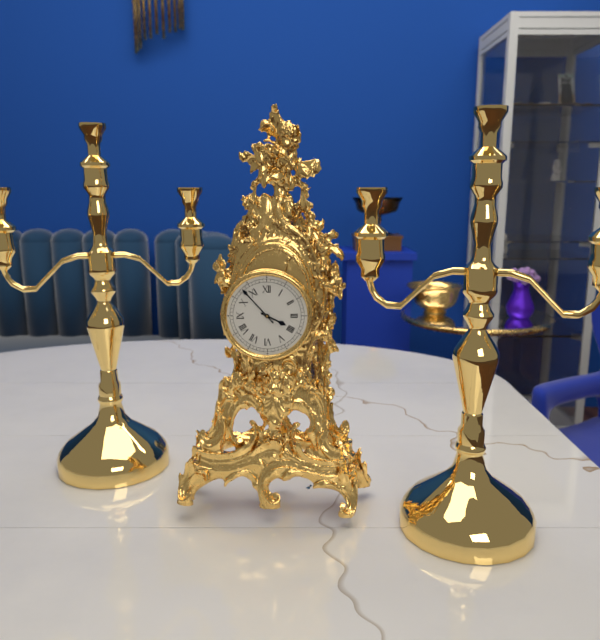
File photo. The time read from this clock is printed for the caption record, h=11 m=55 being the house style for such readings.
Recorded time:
h=3 m=53
